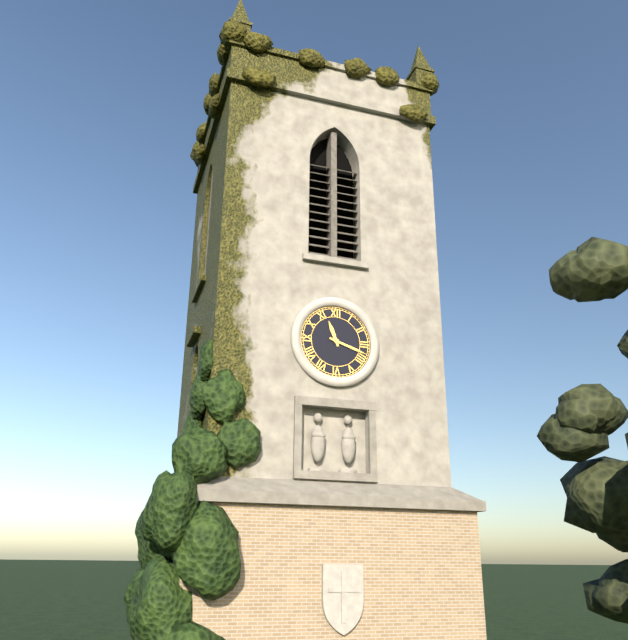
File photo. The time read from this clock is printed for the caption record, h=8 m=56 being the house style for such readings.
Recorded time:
h=11 m=18
